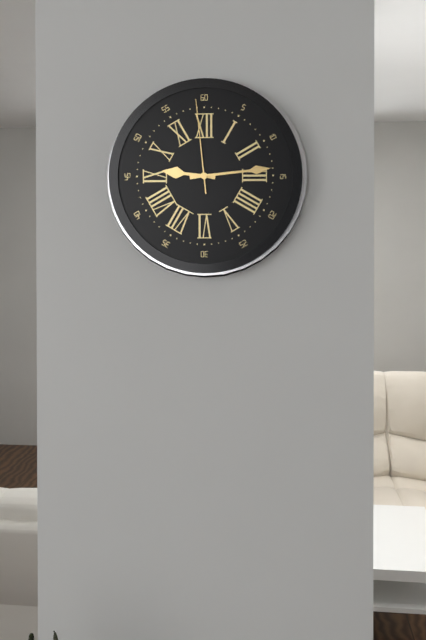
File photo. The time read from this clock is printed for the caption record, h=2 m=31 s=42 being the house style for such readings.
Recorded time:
h=9 m=14 s=59
